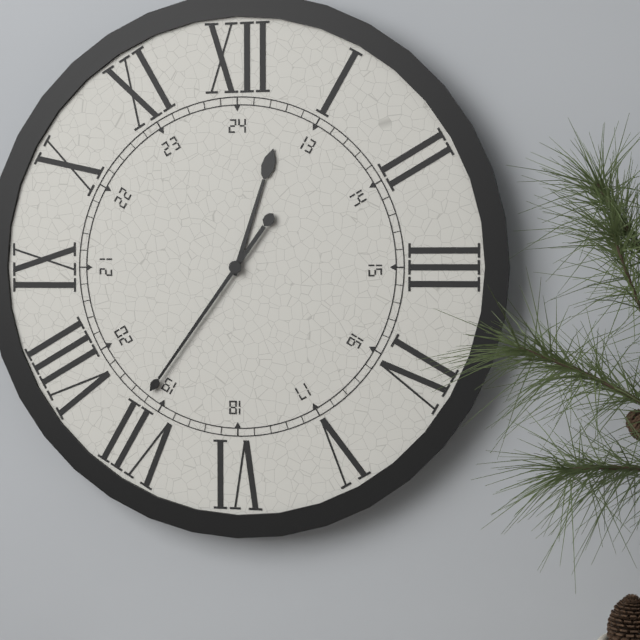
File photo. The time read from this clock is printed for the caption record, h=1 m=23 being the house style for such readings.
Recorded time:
h=12 m=36
